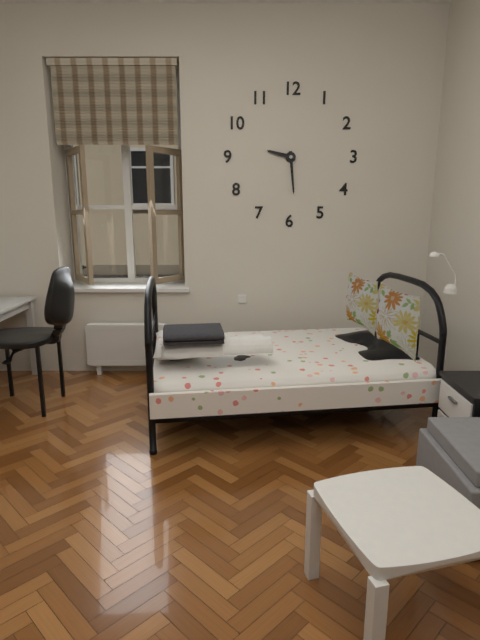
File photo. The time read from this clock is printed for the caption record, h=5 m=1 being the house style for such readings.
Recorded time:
h=9 m=29
